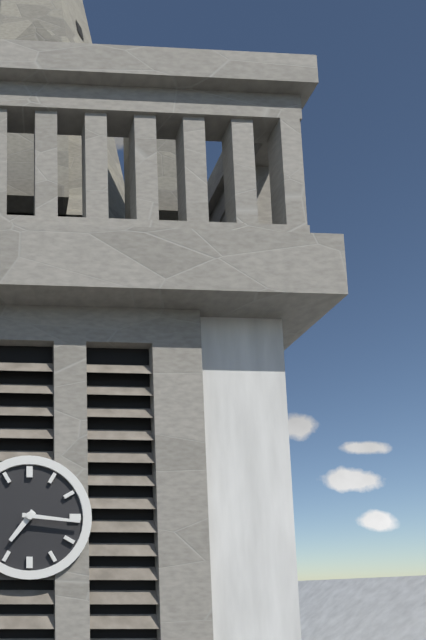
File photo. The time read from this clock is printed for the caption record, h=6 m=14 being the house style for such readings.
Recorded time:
h=7 m=16
